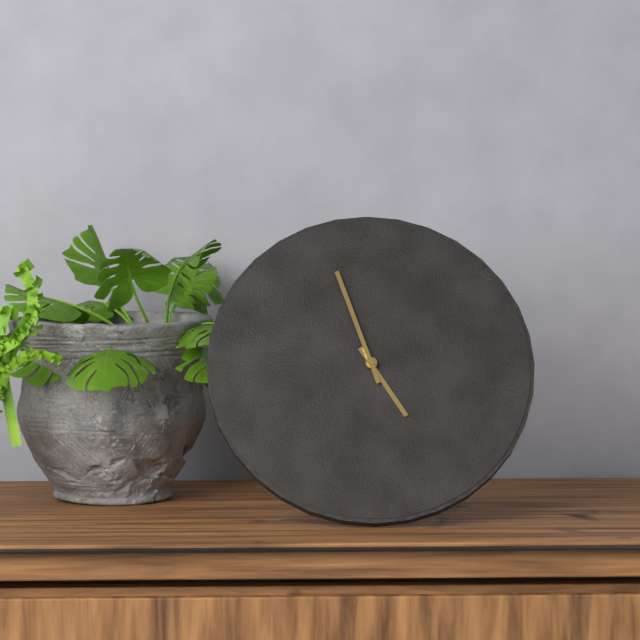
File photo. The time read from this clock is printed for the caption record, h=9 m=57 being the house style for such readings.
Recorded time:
h=4 m=57
